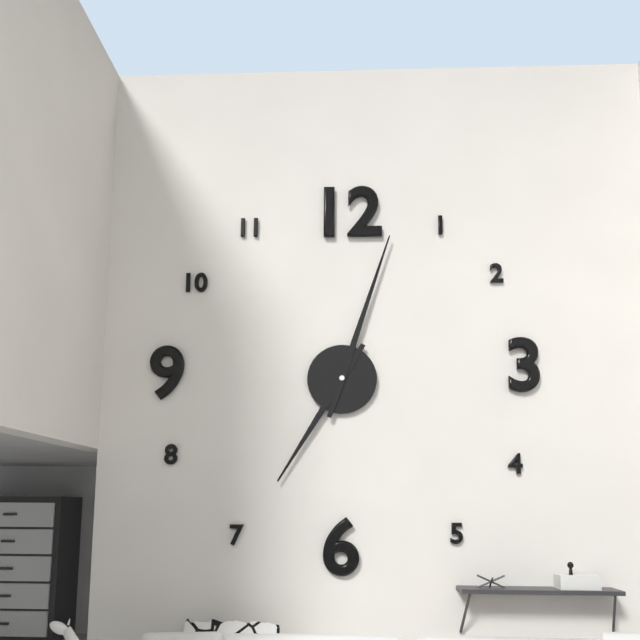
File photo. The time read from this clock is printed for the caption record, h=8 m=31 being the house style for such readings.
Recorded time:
h=7 m=3
